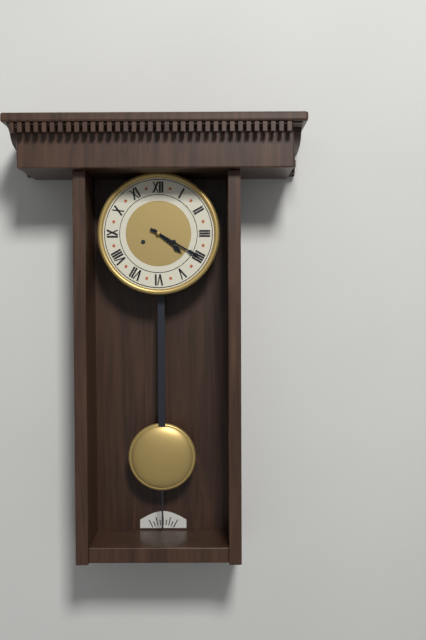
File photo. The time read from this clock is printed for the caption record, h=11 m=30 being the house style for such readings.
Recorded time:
h=4 m=20
